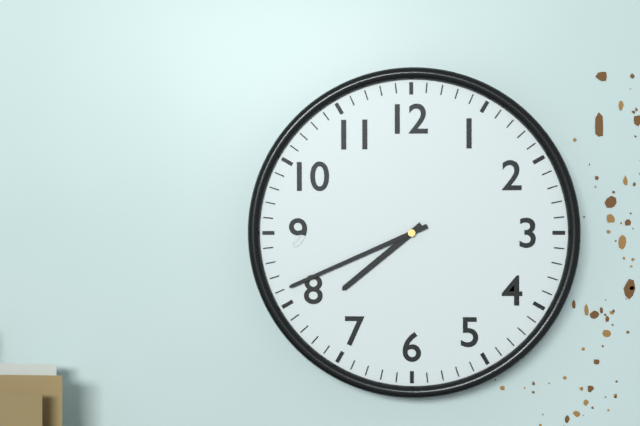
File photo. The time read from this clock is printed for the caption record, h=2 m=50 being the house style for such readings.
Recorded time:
h=7 m=41
